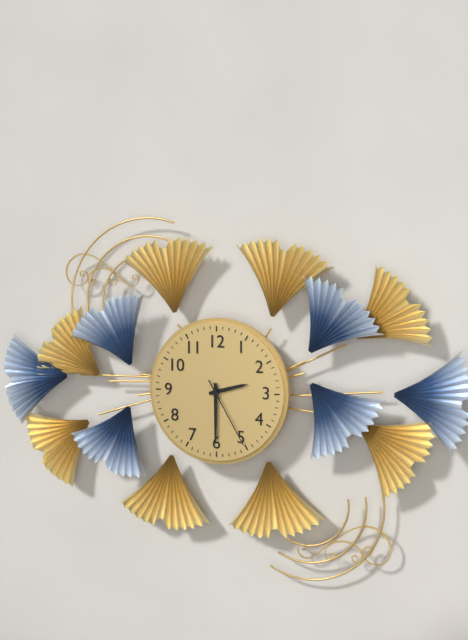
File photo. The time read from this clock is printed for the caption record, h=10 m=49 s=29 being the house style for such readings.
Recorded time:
h=2 m=30 s=25
